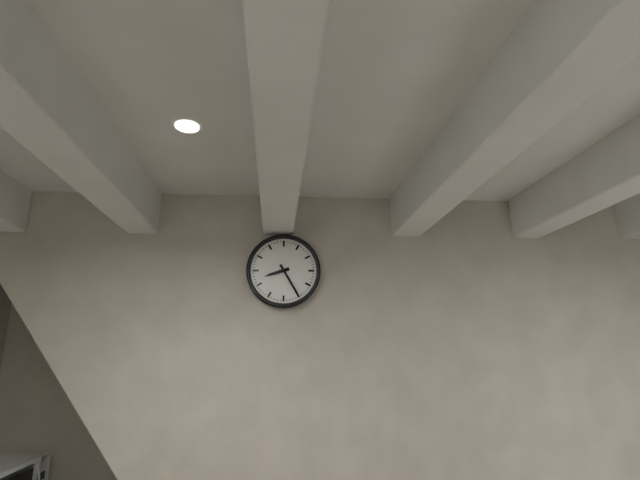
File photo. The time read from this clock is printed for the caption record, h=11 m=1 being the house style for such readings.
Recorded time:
h=8 m=25
